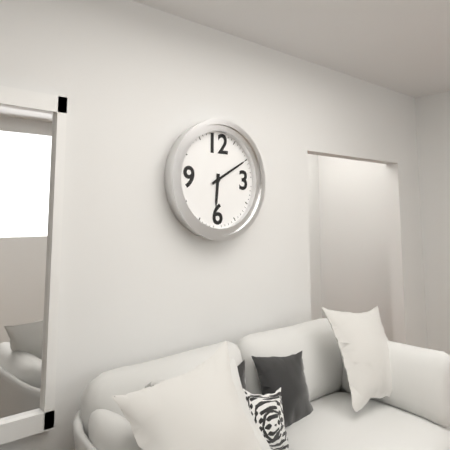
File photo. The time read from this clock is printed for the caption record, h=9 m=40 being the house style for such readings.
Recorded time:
h=6 m=10
